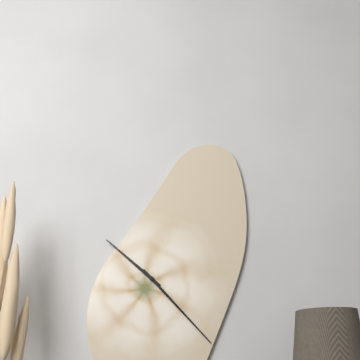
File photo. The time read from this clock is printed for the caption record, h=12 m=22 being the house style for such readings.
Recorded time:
h=10 m=23
